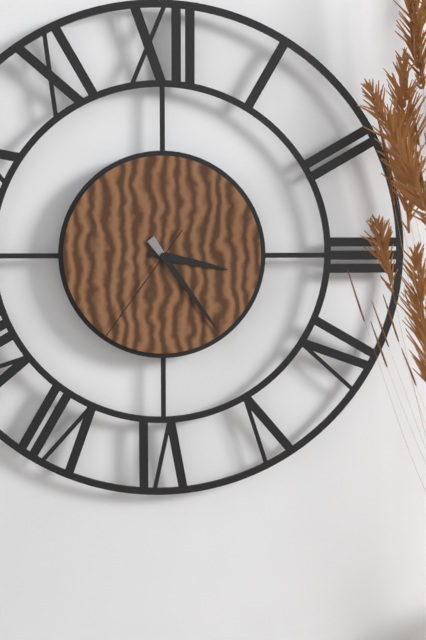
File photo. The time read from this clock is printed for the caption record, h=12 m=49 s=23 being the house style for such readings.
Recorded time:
h=3 m=24 s=36
